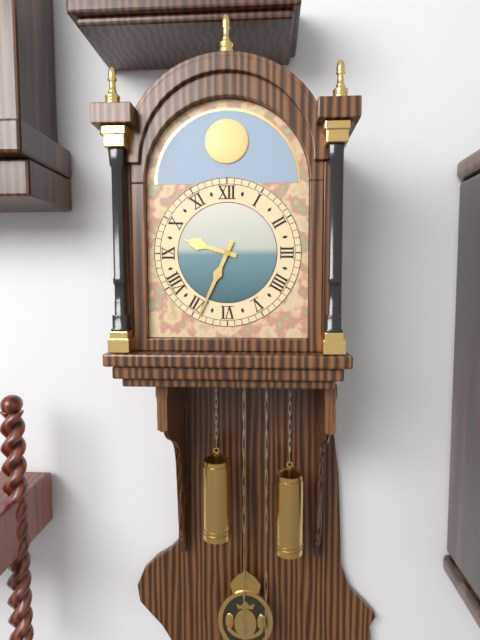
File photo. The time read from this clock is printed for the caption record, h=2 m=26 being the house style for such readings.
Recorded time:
h=9 m=34
